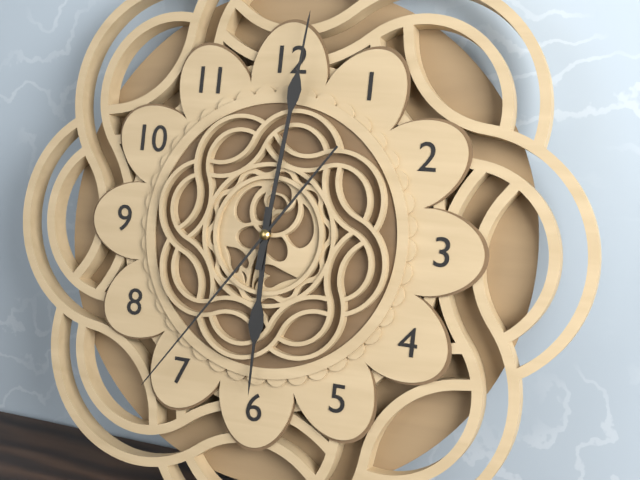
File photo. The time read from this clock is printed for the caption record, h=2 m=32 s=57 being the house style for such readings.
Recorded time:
h=6 m=1 s=36
